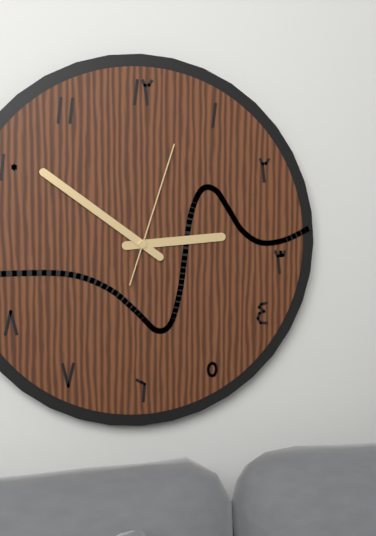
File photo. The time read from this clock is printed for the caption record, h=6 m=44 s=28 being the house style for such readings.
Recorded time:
h=2 m=51 s=3
